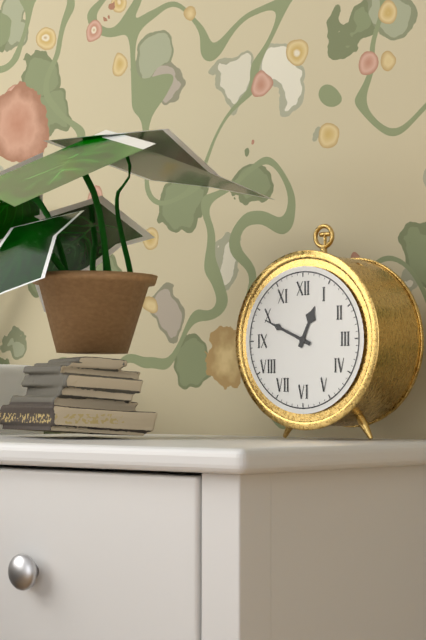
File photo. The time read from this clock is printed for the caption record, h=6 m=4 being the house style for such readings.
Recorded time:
h=12 m=49
